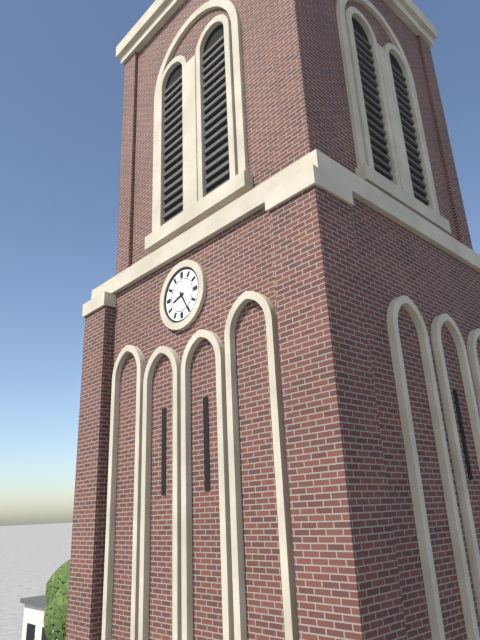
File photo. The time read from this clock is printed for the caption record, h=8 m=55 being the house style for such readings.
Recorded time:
h=8 m=25
